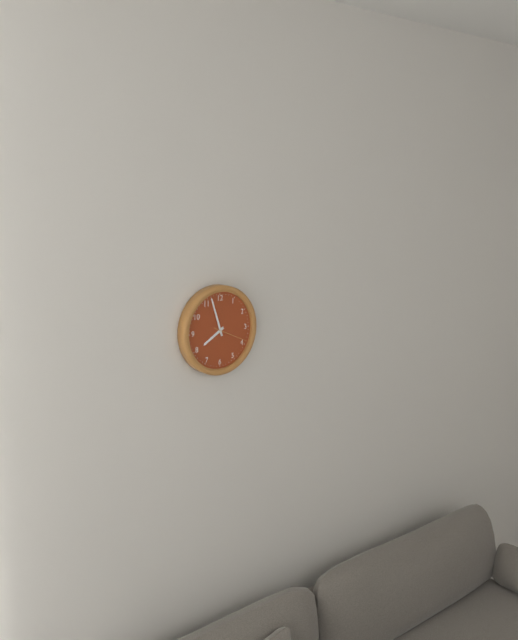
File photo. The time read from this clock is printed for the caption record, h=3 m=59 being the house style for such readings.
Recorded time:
h=7 m=57
